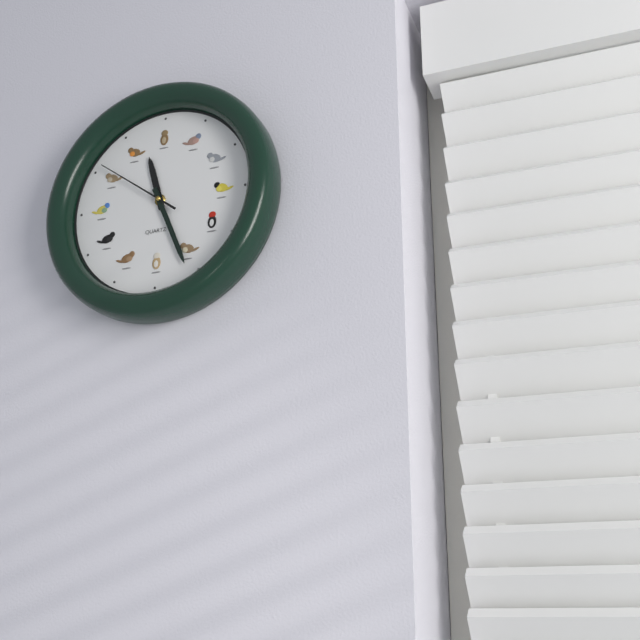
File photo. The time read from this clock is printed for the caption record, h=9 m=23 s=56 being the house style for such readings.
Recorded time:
h=11 m=26 s=51
